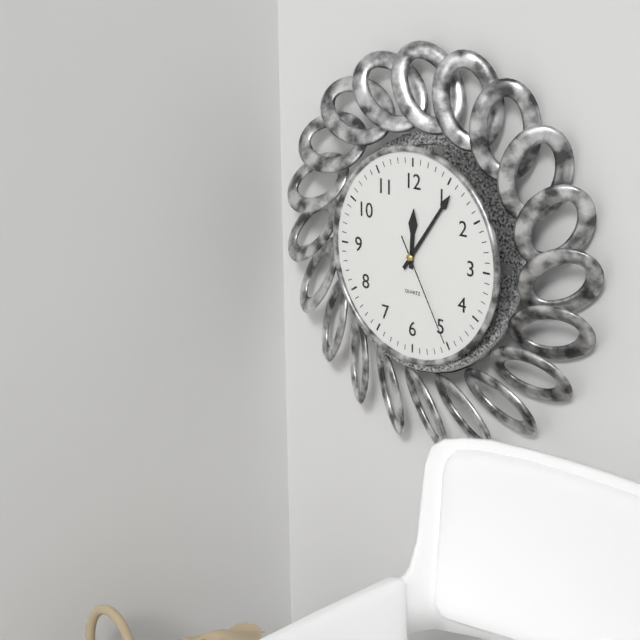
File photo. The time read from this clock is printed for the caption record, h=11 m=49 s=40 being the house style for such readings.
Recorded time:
h=12 m=6 s=25
